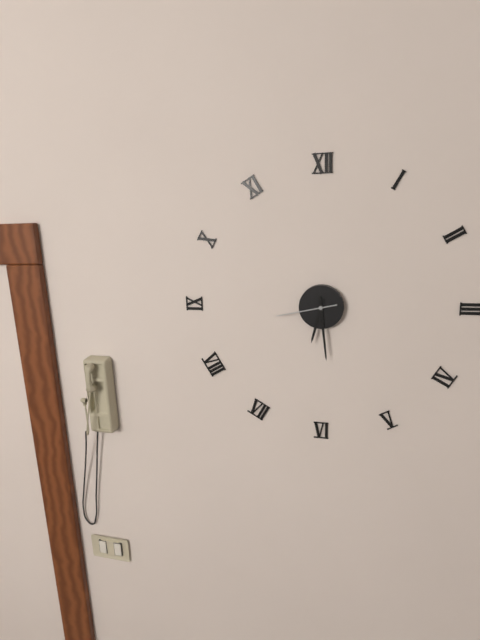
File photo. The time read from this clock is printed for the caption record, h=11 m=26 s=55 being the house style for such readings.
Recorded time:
h=6 m=29 s=43
